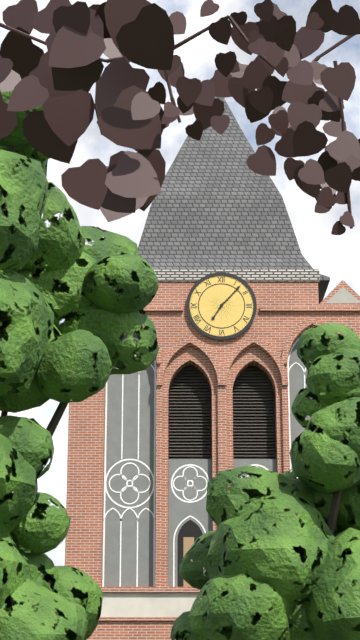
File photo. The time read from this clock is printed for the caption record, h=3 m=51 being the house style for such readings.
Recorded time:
h=7 m=7
